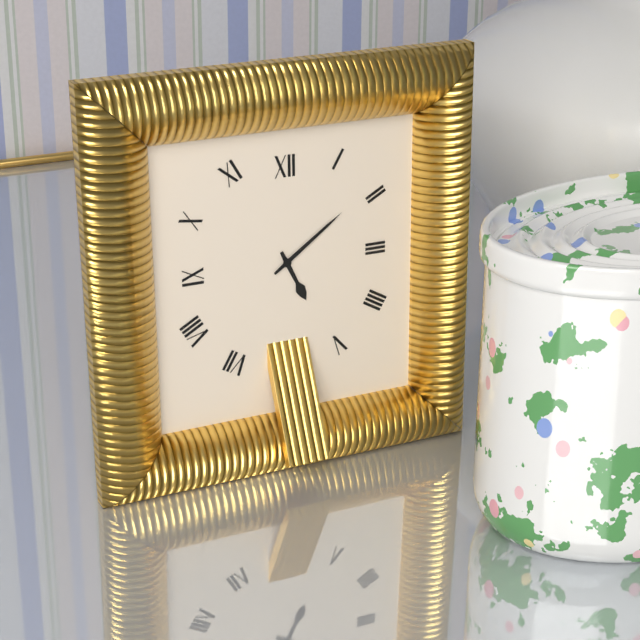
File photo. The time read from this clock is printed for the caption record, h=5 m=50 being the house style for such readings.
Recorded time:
h=5 m=9
